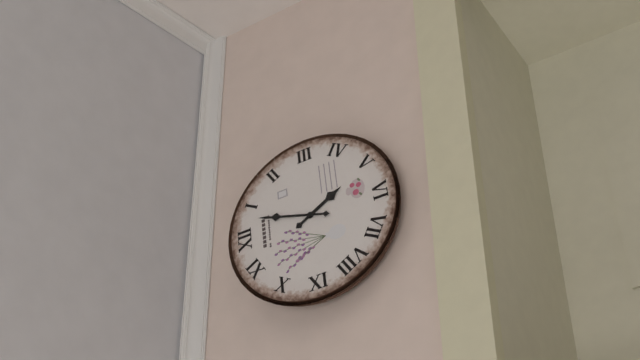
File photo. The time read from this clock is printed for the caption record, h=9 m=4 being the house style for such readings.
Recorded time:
h=5 m=3
